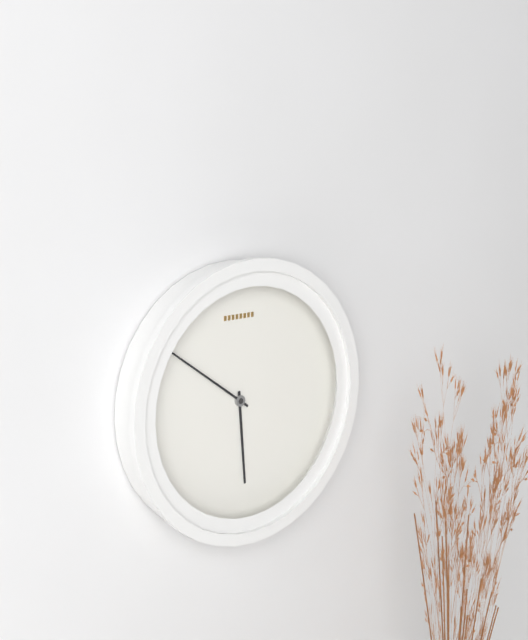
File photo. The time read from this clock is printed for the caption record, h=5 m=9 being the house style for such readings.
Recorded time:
h=5 m=51
